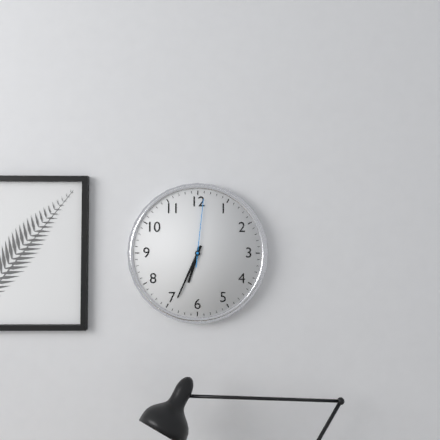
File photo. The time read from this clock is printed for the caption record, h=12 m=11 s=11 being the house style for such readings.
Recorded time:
h=6 m=34 s=1
